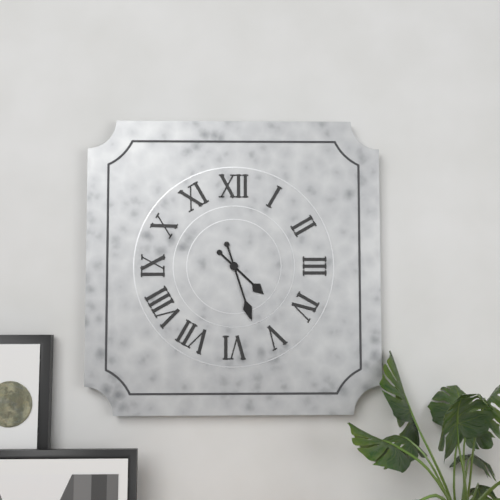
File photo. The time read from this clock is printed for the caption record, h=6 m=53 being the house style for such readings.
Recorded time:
h=4 m=27
